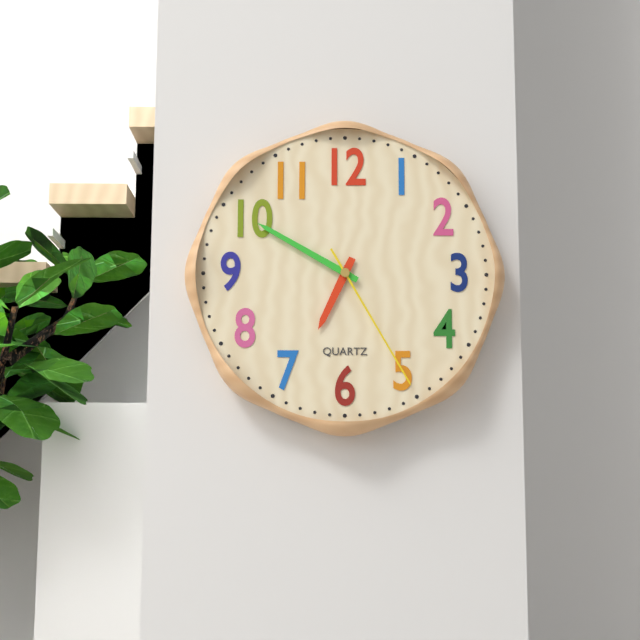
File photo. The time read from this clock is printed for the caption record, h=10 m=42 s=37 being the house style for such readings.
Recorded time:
h=6 m=50 s=25
